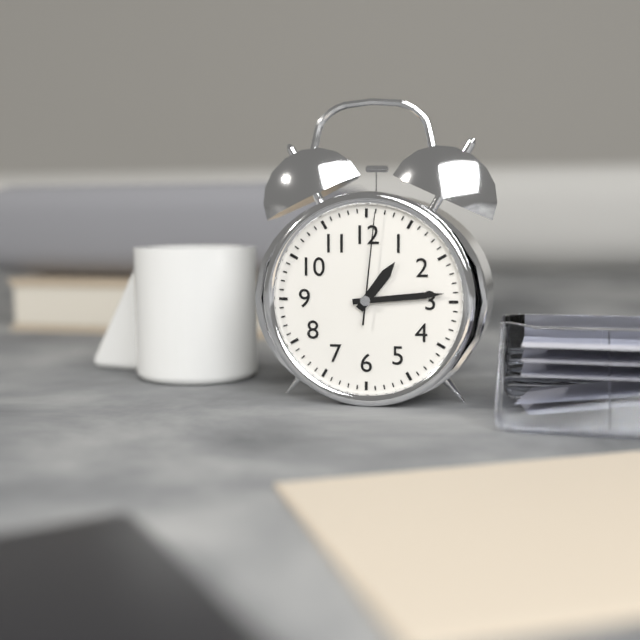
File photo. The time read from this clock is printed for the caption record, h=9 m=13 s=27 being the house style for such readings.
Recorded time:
h=1 m=14 s=1
